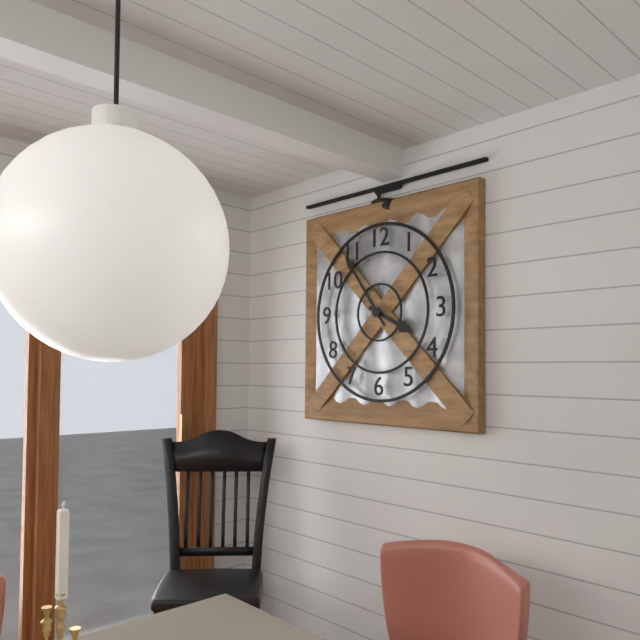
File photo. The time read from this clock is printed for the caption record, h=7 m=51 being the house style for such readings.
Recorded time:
h=3 m=54
